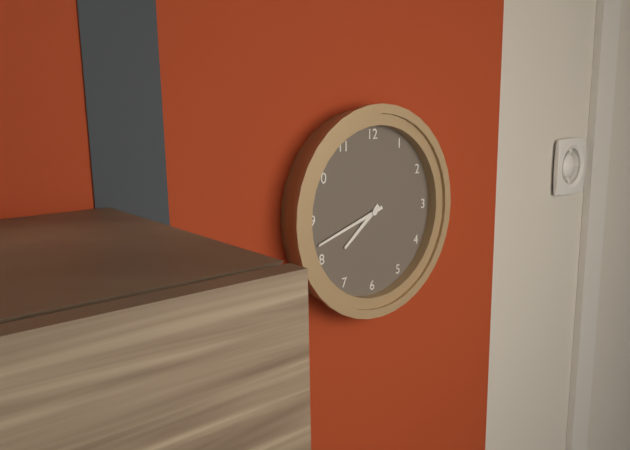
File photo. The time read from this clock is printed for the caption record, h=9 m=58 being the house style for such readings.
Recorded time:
h=7 m=42
